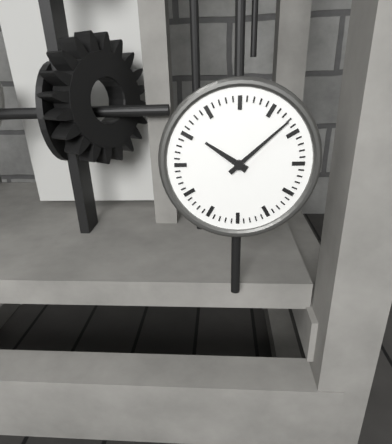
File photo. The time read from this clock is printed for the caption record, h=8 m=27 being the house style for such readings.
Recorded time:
h=10 m=8
